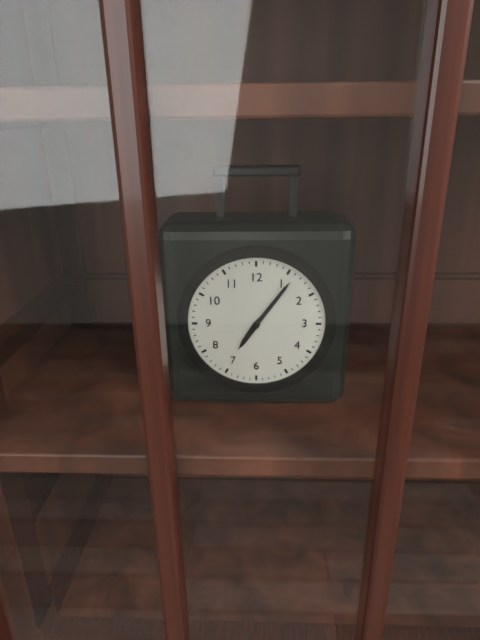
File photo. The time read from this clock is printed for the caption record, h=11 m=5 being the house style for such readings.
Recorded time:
h=7 m=6
